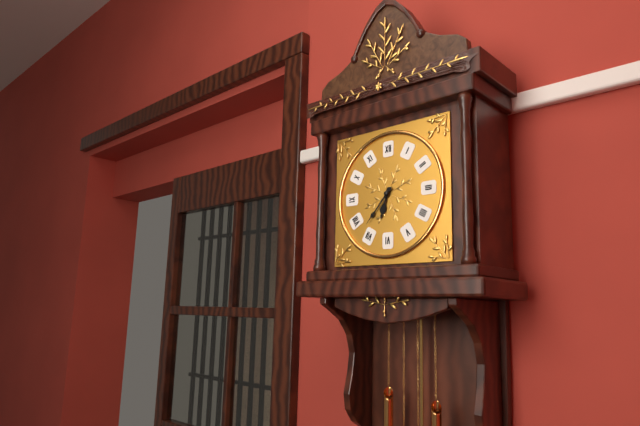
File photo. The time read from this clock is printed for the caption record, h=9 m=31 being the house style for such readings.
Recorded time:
h=6 m=37
